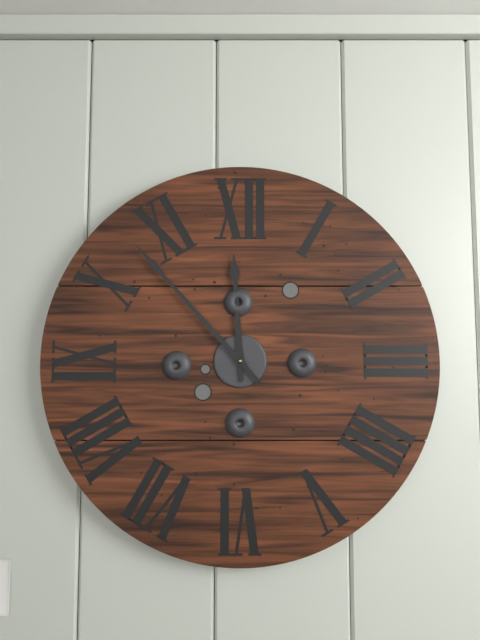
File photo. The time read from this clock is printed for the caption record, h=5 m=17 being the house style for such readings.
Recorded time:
h=11 m=53
